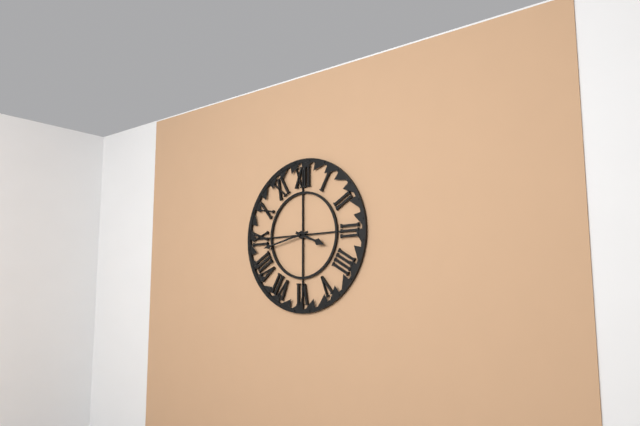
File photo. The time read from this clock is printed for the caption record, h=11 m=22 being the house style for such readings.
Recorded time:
h=3 m=43
